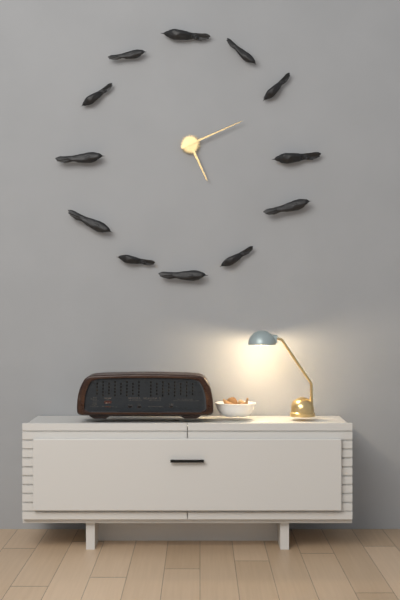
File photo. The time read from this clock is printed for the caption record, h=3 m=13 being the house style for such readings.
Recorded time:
h=5 m=11
